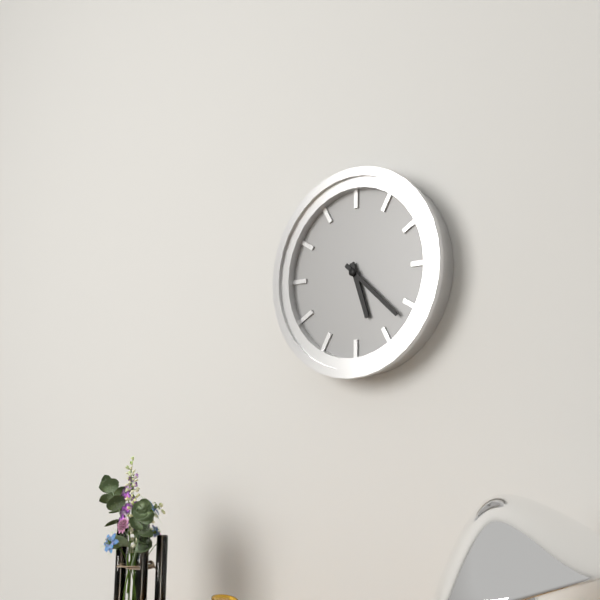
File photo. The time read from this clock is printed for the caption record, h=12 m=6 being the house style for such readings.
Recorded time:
h=5 m=22
